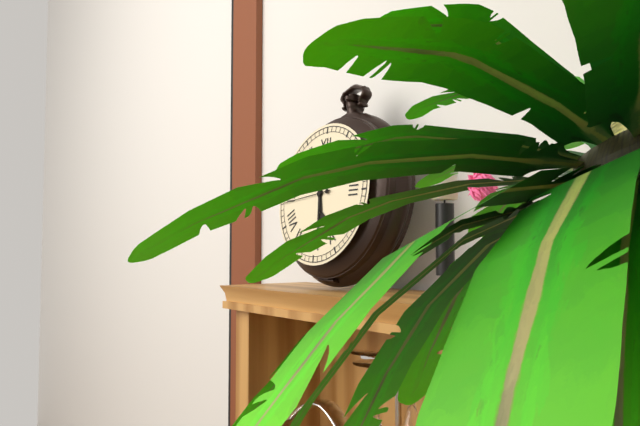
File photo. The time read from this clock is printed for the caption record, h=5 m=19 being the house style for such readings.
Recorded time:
h=5 m=29
